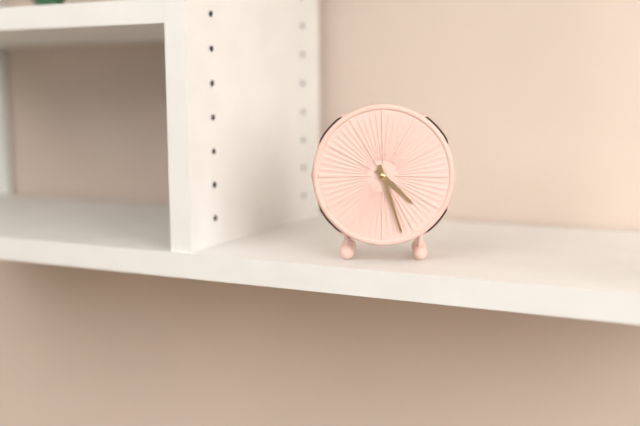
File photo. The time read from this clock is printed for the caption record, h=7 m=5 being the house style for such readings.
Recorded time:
h=4 m=27
